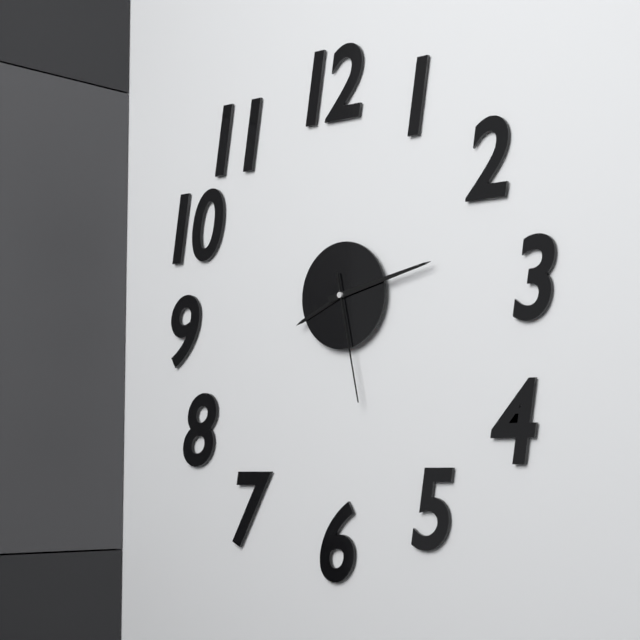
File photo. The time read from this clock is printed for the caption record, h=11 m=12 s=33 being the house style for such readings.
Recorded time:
h=8 m=13 s=28
